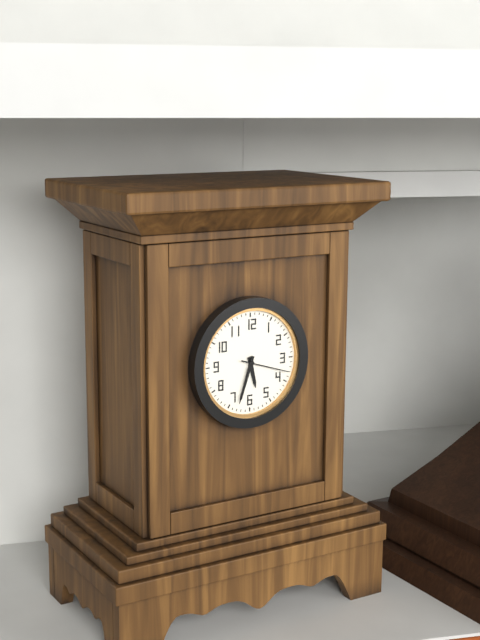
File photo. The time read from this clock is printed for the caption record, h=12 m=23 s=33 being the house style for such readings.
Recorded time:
h=5 m=33 s=18
